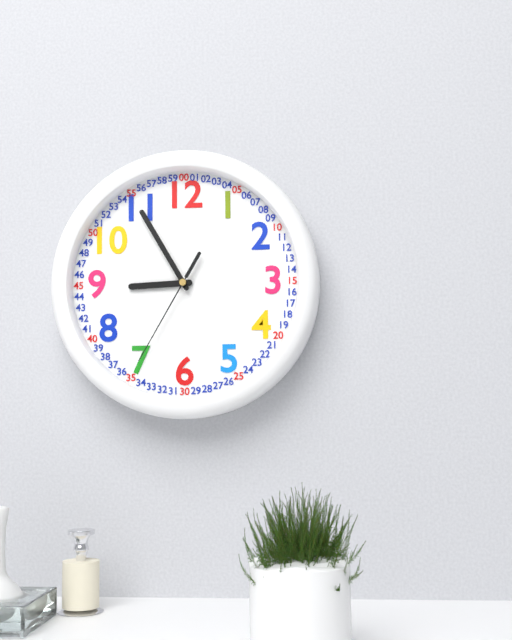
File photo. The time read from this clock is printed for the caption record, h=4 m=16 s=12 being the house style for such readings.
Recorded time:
h=8 m=55 s=35
